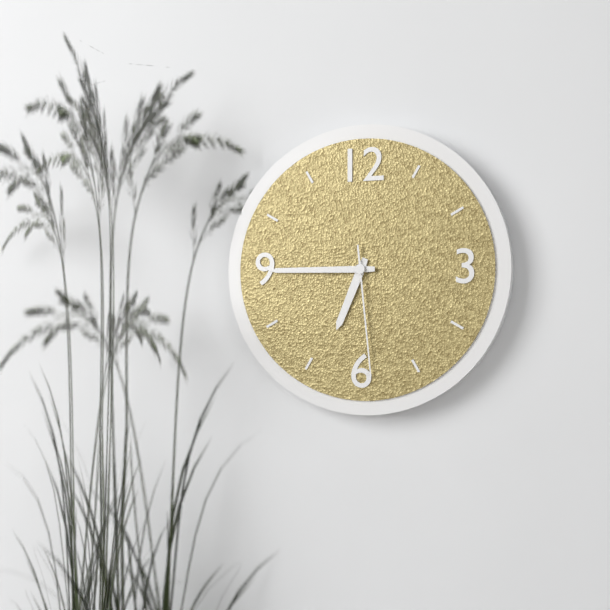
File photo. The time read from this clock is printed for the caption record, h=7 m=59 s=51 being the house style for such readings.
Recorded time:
h=6 m=45 s=29
